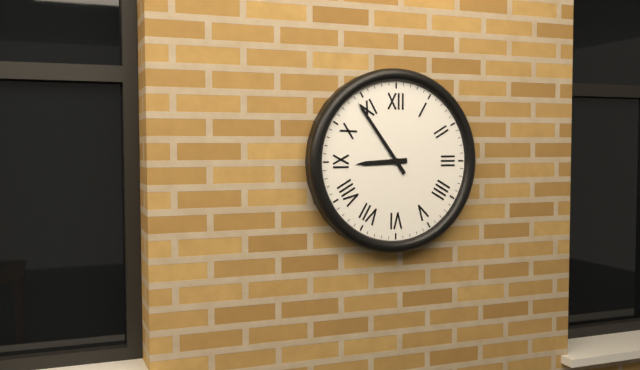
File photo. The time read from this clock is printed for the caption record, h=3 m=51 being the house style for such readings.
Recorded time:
h=8 m=54
